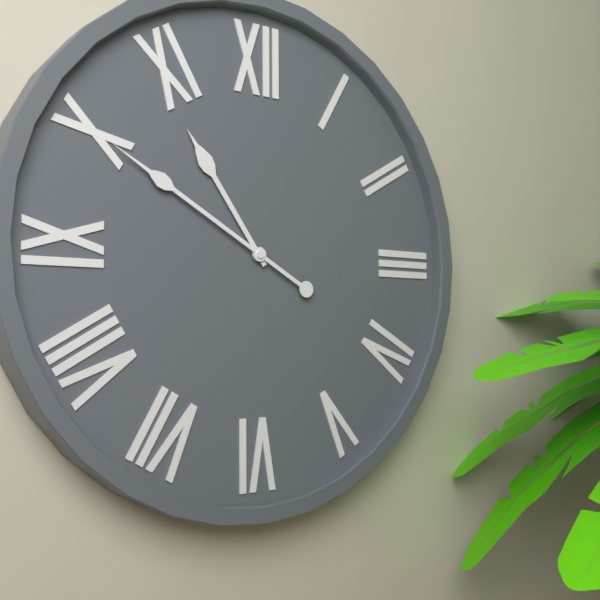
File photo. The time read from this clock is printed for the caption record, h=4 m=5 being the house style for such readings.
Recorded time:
h=10 m=50
